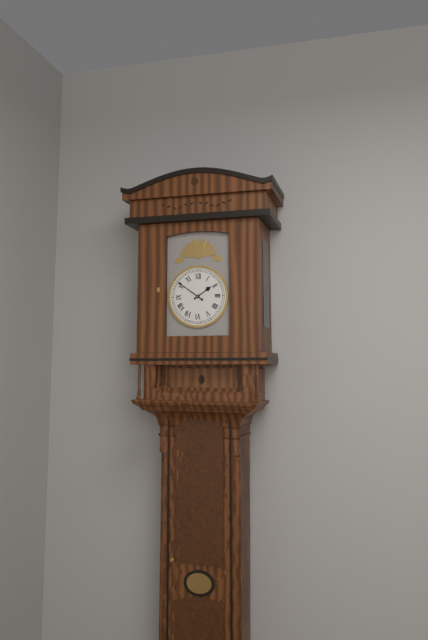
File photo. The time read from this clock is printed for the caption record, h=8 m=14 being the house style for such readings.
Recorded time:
h=1 m=51
